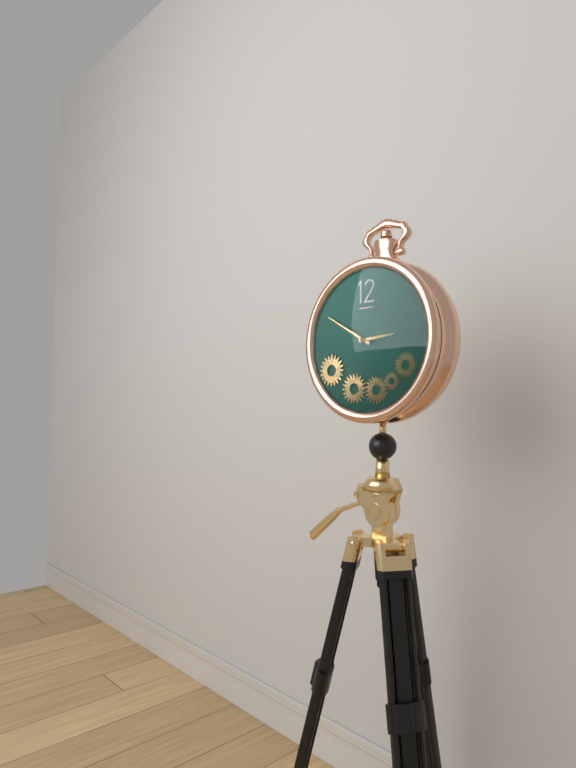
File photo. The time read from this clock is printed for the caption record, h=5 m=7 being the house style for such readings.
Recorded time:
h=2 m=50
